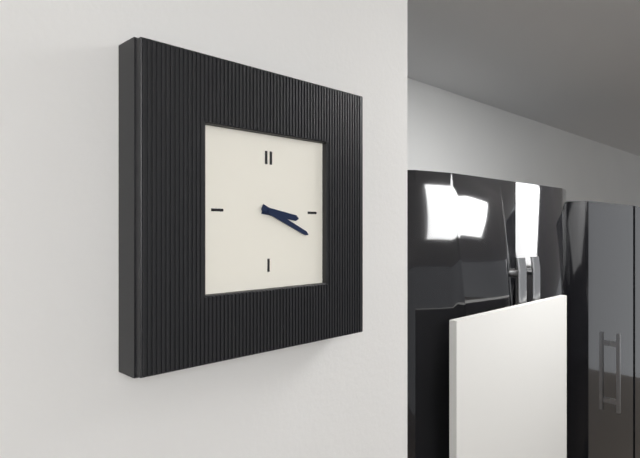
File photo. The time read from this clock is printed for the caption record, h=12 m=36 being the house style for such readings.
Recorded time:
h=3 m=19
